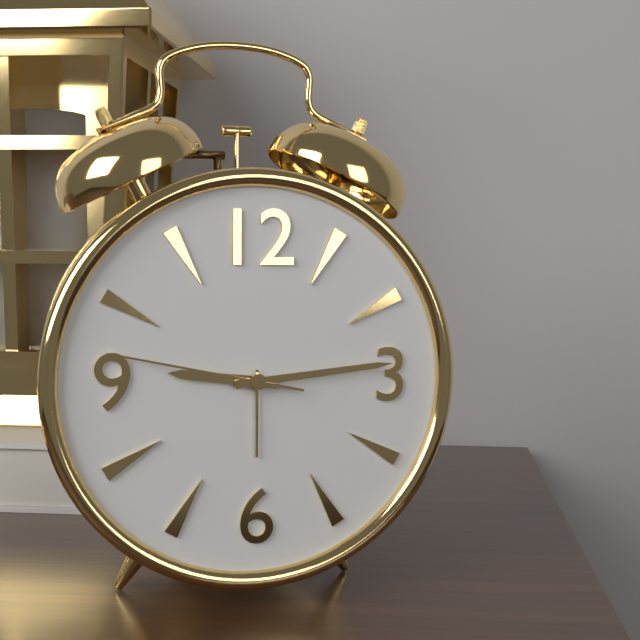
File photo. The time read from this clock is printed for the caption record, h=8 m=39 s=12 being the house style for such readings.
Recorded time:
h=9 m=14 s=47
